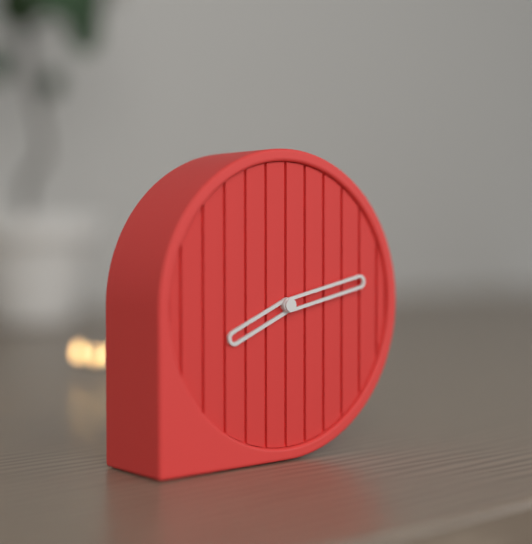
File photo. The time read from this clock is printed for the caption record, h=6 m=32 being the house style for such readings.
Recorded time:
h=8 m=13
